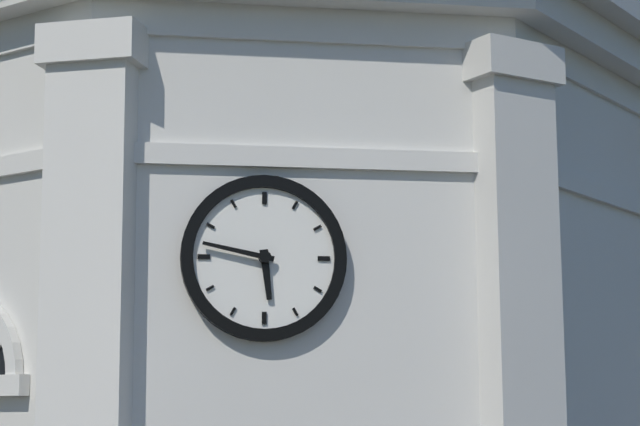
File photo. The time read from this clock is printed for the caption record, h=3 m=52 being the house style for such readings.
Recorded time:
h=5 m=47
